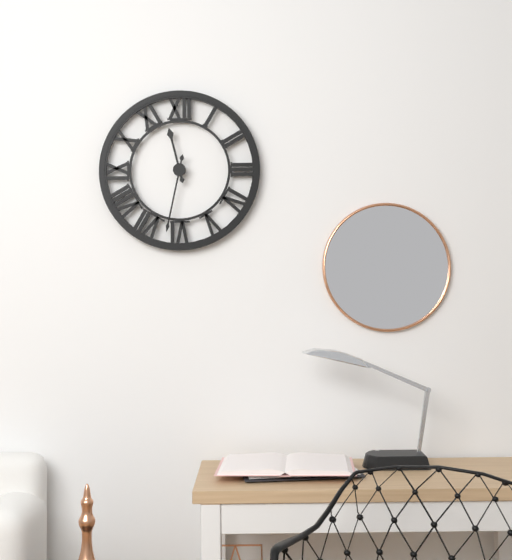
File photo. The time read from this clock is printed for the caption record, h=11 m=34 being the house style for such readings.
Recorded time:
h=11 m=32
